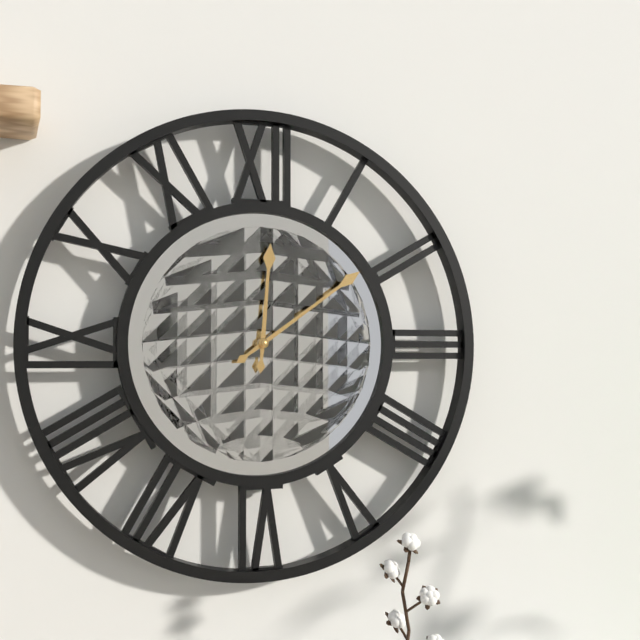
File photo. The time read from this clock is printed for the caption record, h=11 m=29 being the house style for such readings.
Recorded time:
h=12 m=9
